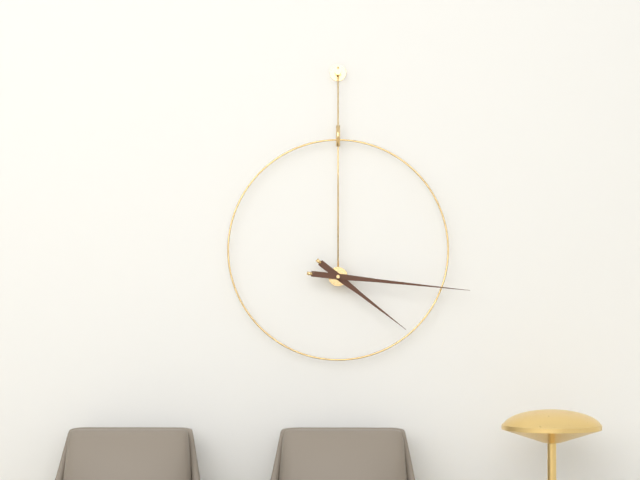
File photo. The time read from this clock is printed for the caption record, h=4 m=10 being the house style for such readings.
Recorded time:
h=4 m=16
